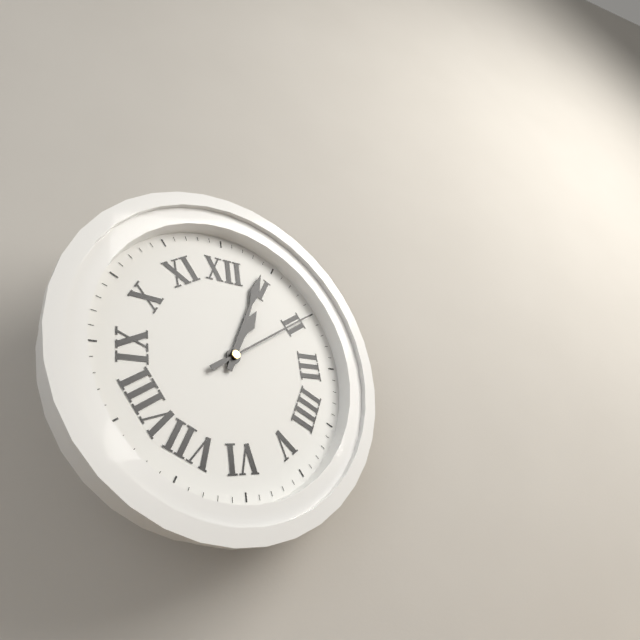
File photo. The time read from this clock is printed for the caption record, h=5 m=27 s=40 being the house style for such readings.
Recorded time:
h=1 m=4 s=10
